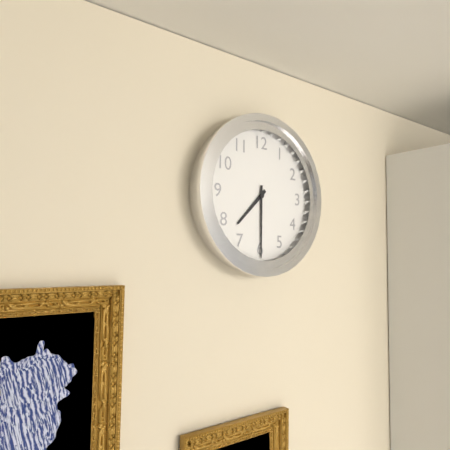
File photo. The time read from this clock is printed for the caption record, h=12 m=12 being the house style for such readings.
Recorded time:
h=7 m=30
